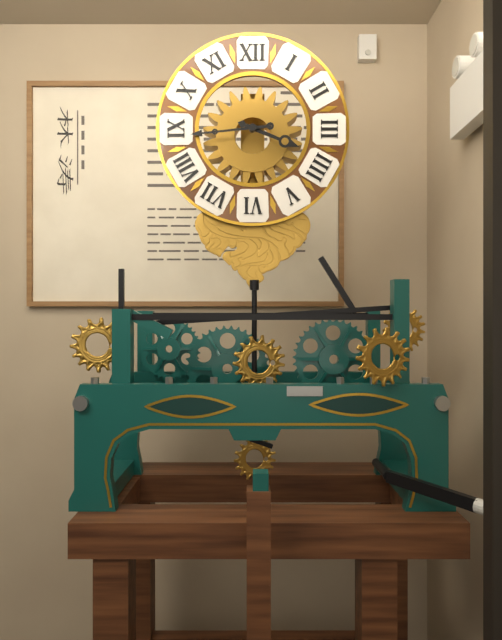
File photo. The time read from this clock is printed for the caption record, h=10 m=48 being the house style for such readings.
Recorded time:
h=3 m=44
